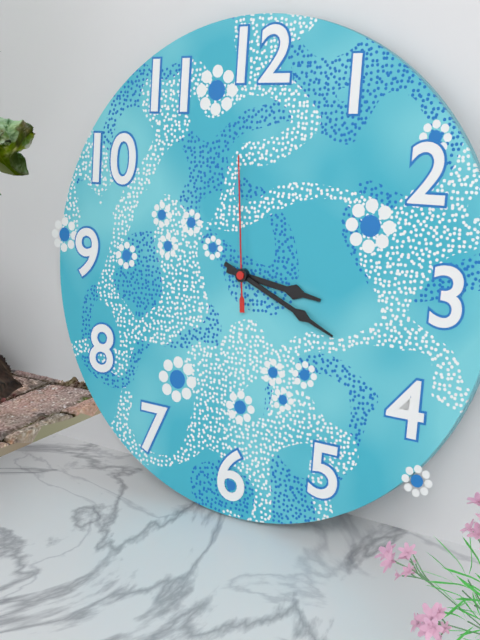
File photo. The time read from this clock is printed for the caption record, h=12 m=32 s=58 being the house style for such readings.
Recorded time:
h=3 m=19 s=59
